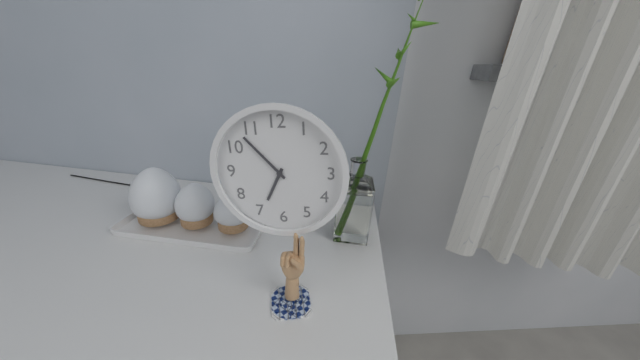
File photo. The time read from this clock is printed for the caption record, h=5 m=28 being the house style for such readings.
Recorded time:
h=6 m=53
